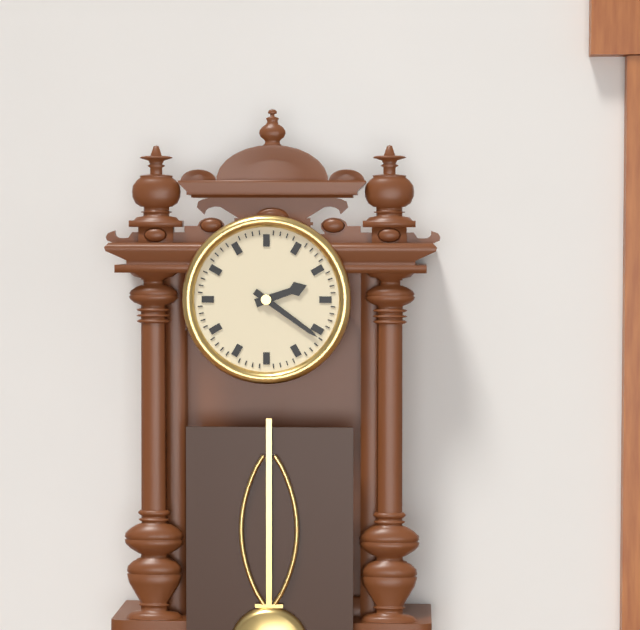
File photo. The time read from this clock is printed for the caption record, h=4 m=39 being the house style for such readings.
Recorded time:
h=2 m=21
